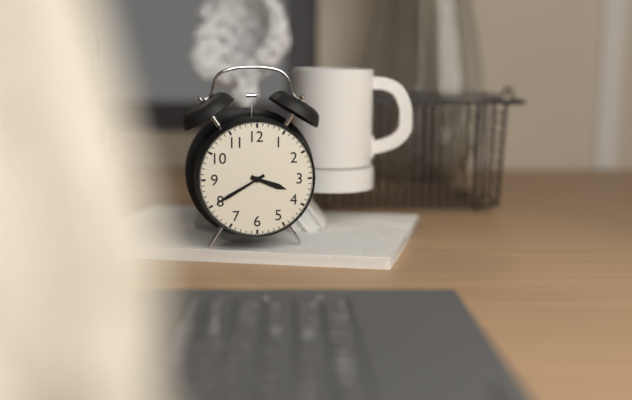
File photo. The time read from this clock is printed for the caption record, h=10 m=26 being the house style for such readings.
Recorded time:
h=3 m=40
